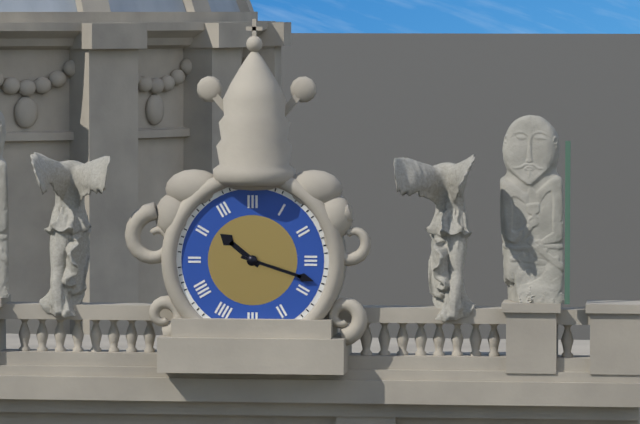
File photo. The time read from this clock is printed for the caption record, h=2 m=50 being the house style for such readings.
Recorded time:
h=10 m=18
